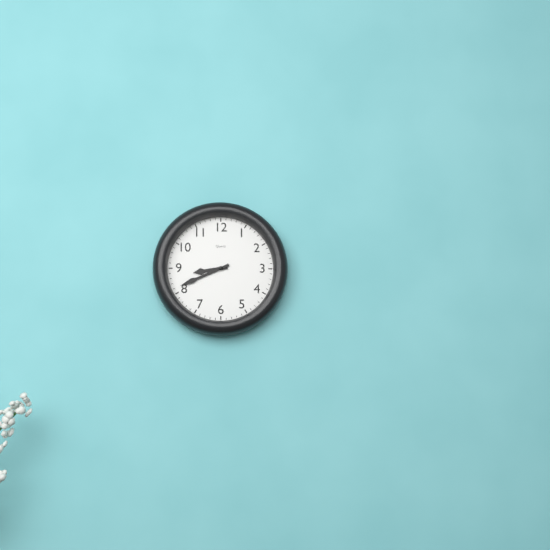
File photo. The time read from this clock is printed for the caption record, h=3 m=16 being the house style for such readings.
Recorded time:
h=8 m=41
